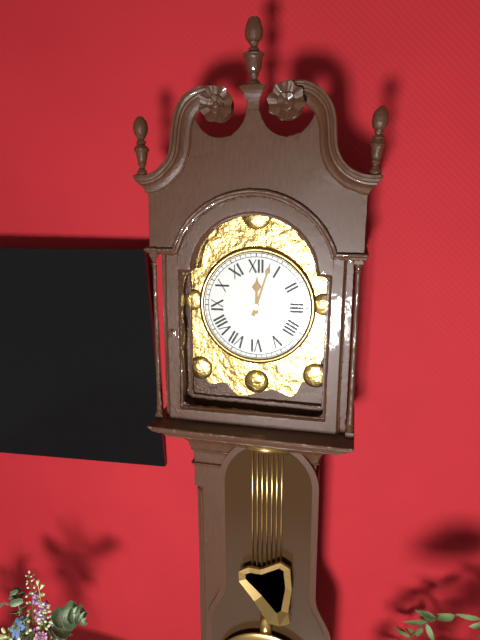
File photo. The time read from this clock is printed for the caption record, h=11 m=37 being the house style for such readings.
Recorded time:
h=12 m=3
